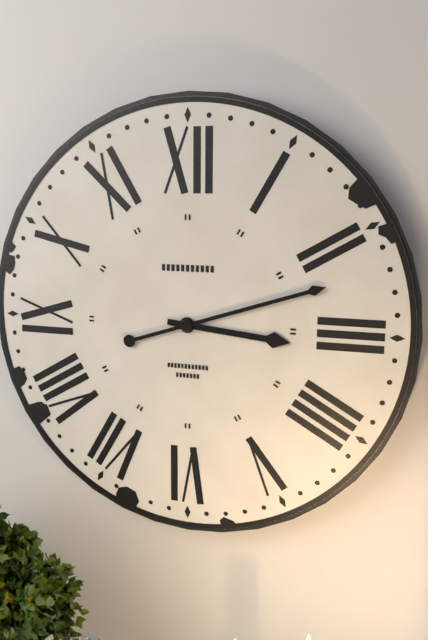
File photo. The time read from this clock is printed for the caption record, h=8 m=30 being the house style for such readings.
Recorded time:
h=3 m=12
